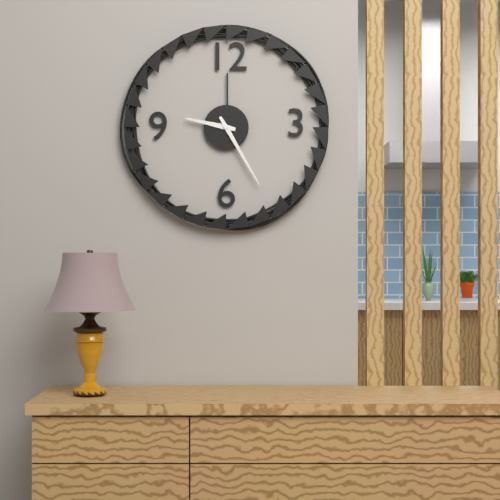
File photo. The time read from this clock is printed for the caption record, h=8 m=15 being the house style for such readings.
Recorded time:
h=9 m=25
